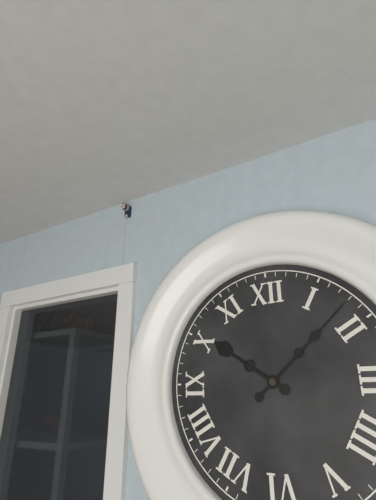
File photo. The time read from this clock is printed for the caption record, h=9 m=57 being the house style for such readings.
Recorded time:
h=10 m=8
